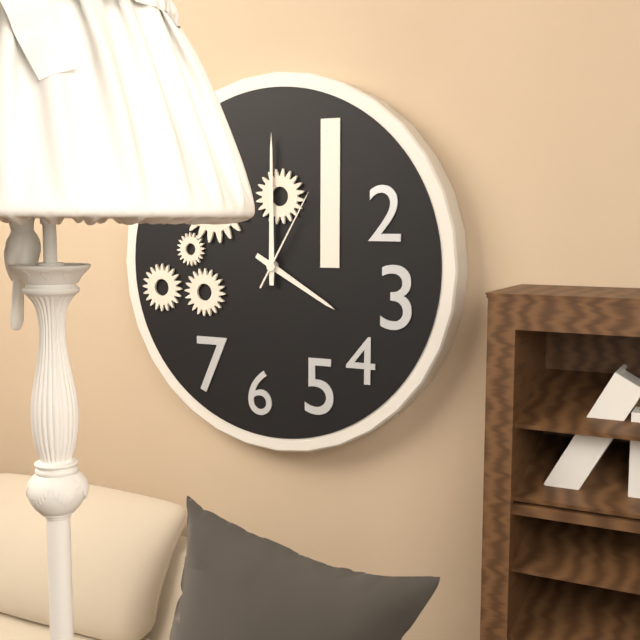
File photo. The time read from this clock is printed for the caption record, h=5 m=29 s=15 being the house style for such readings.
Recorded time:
h=4 m=0 s=5
